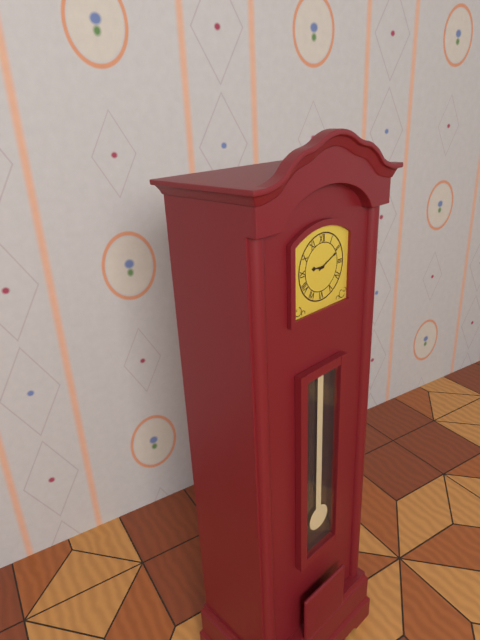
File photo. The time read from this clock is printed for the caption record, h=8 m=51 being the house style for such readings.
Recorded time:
h=9 m=11
